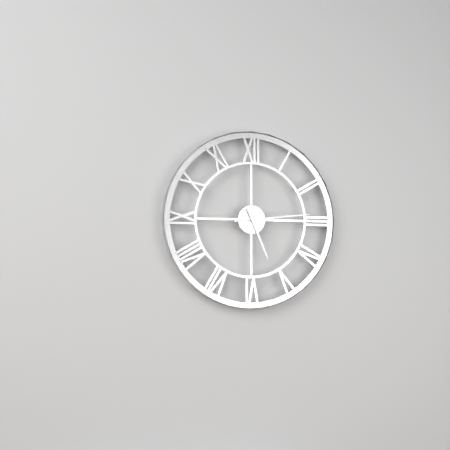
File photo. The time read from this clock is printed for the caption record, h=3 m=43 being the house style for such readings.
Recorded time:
h=5 m=14
